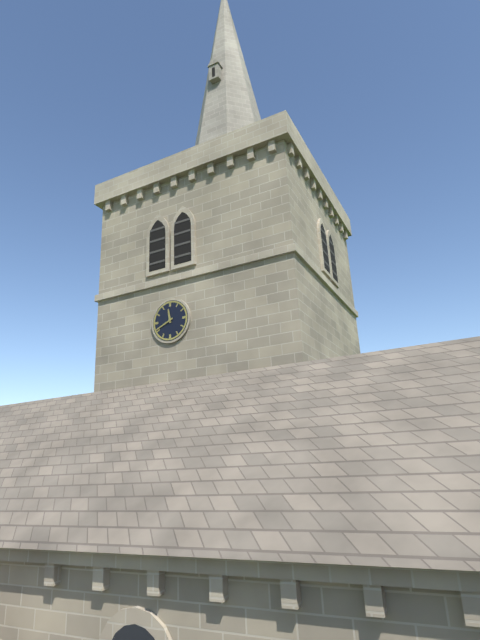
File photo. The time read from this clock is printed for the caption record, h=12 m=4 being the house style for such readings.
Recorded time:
h=11 m=41
